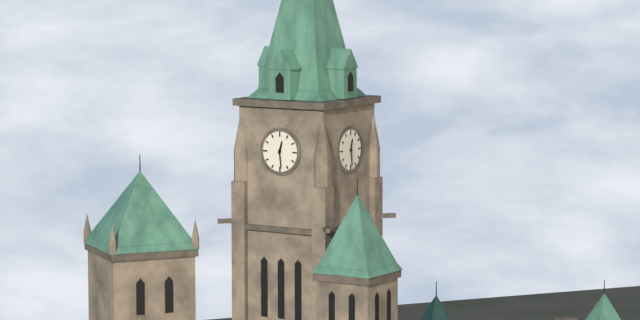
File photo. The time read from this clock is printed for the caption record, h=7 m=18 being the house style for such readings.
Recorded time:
h=12 m=29
